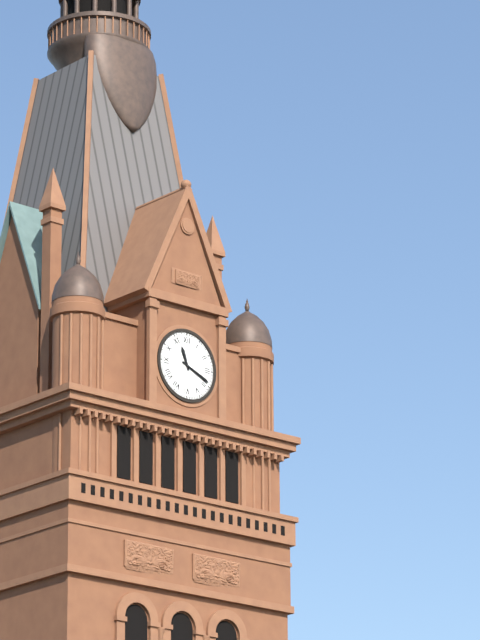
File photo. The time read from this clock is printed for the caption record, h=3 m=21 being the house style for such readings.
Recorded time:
h=11 m=19
